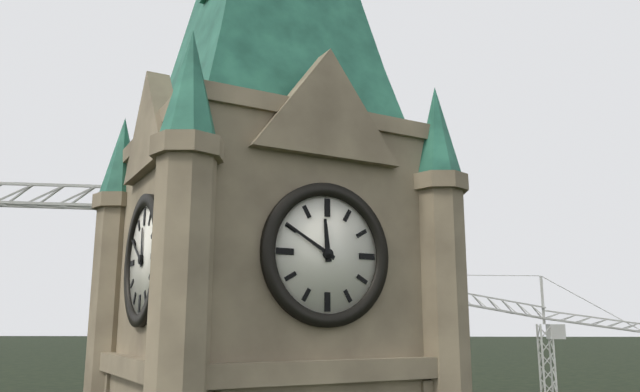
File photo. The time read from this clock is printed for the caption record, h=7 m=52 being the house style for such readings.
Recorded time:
h=11 m=50
